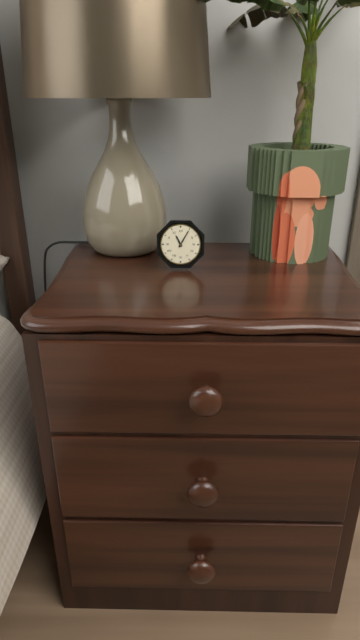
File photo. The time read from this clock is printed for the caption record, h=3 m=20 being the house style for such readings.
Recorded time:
h=11 m=5
